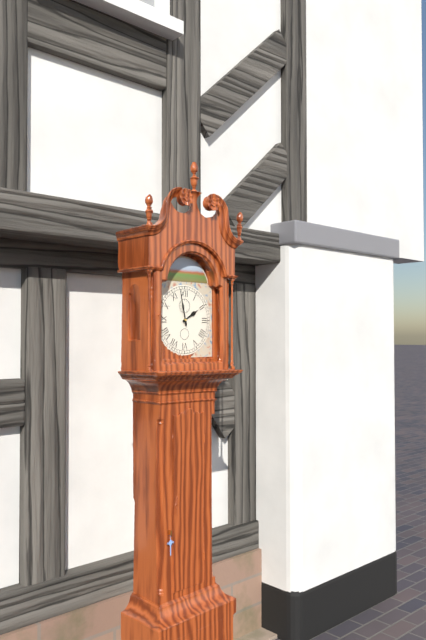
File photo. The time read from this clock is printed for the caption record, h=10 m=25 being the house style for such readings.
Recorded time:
h=1 m=58
